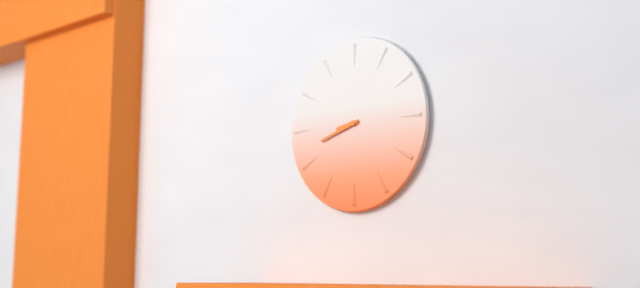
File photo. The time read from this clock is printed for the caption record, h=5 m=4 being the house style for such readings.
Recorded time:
h=8 m=42
